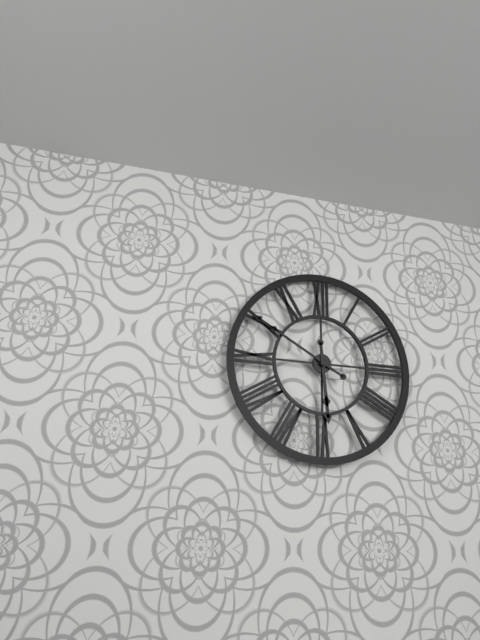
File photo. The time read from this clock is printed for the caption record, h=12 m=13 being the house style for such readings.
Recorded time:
h=5 m=50
